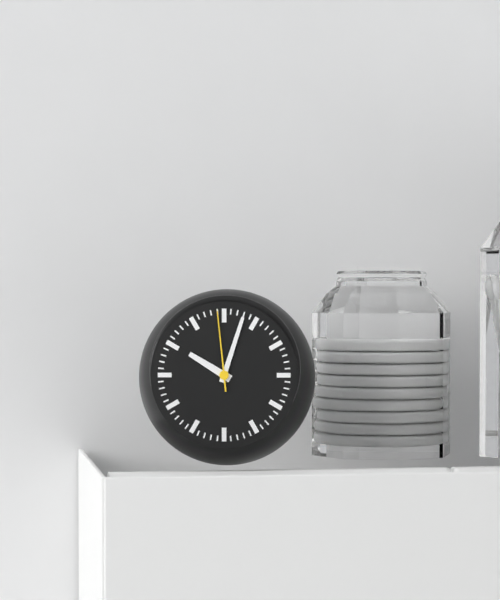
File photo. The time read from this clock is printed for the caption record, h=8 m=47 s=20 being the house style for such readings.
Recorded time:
h=10 m=3 s=59
